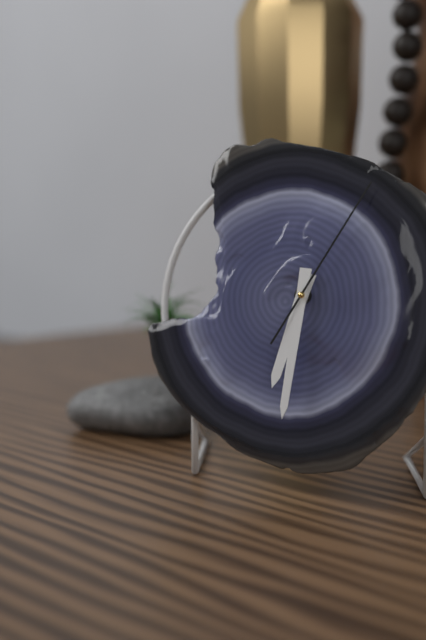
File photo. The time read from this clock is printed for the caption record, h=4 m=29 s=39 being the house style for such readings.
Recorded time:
h=6 m=31 s=5
